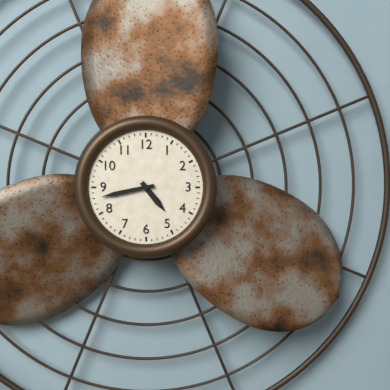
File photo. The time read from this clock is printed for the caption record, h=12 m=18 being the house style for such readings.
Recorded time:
h=4 m=43
